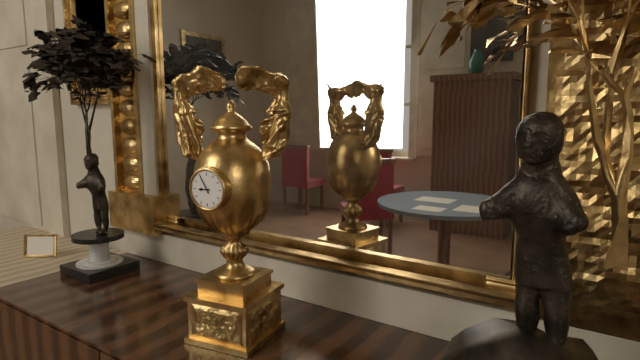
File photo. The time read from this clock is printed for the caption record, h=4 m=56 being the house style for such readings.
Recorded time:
h=8 m=55
